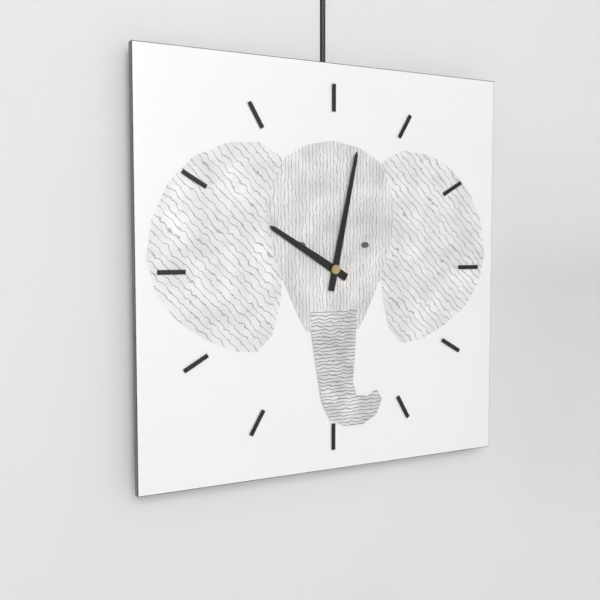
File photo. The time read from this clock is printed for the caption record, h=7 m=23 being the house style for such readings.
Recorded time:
h=10 m=2
